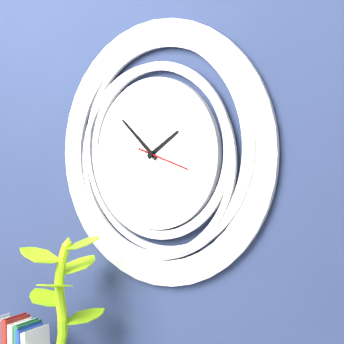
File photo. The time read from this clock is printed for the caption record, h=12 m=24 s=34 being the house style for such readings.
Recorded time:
h=1 m=52 s=18
